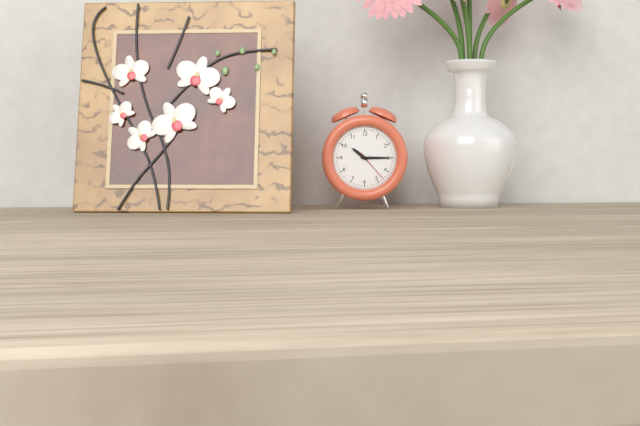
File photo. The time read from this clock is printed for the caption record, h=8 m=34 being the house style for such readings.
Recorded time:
h=10 m=15
